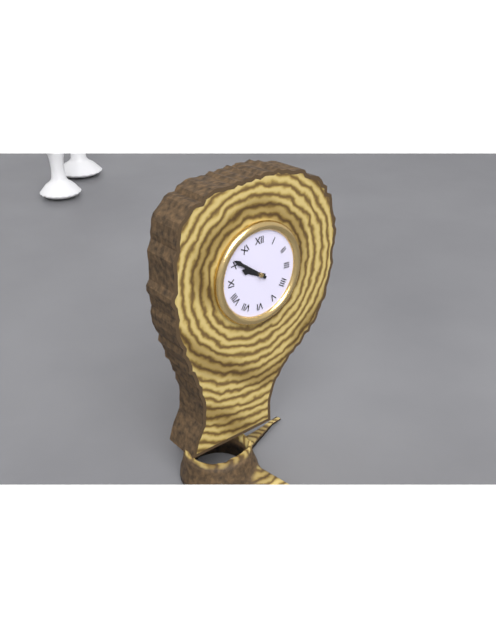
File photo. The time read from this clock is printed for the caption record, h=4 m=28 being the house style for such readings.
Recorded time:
h=9 m=51
